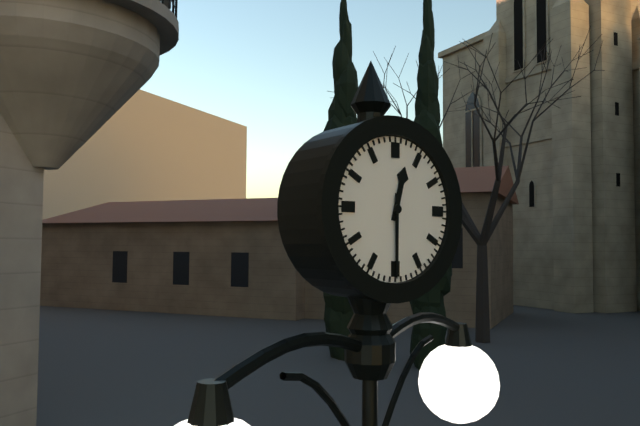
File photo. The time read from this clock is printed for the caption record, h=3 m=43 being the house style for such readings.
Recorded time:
h=12 m=30
